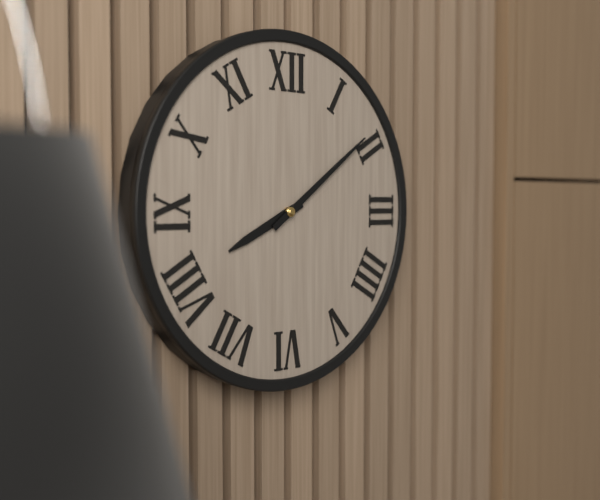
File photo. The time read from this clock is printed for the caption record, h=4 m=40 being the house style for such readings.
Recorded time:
h=8 m=9
